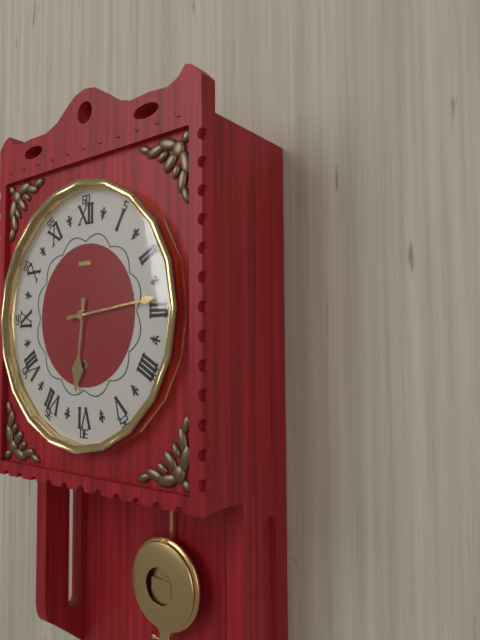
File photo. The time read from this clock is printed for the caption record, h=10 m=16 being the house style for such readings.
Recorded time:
h=6 m=14
